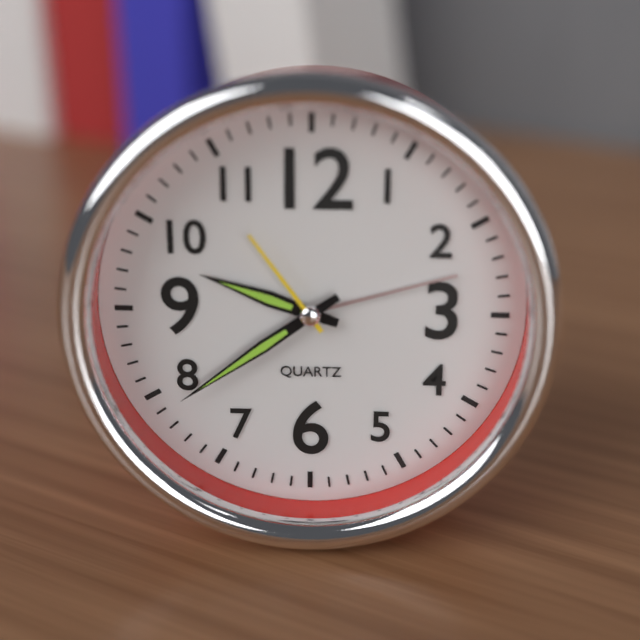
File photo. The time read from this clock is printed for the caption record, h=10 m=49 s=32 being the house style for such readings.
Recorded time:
h=9 m=39 s=54
